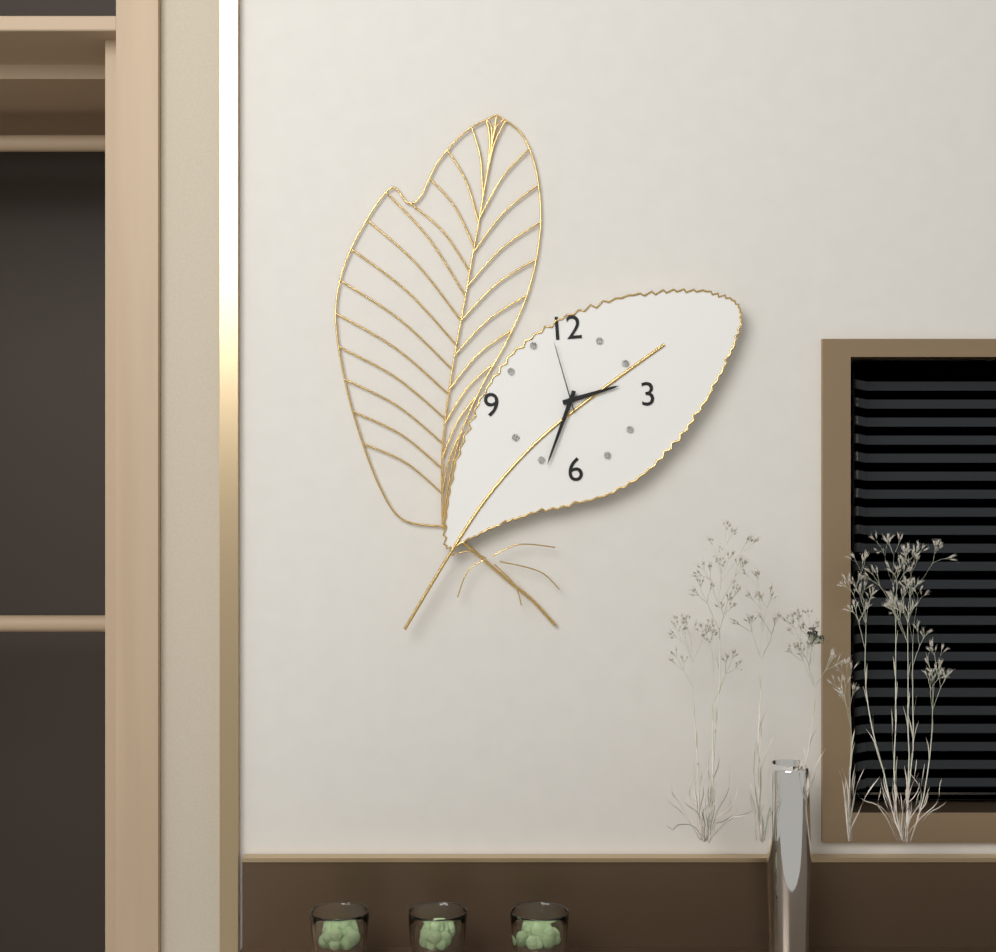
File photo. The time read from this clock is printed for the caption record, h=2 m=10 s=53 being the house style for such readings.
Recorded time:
h=2 m=34 s=58
